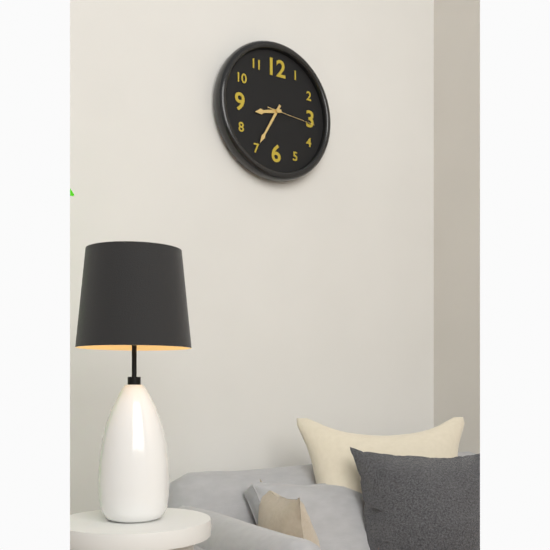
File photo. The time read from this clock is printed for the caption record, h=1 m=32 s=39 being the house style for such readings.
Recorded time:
h=8 m=35 s=16
